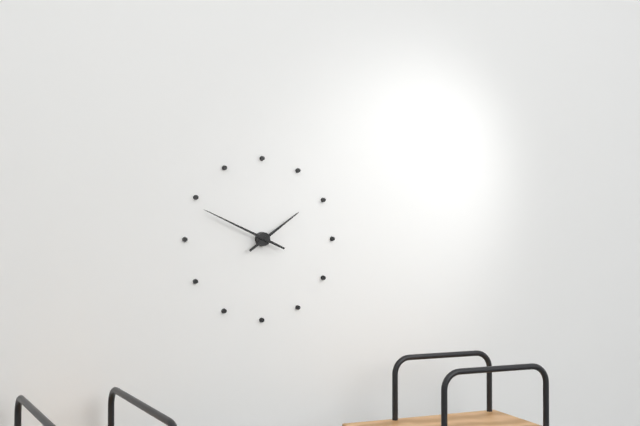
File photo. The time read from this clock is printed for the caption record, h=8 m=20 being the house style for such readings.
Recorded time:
h=1 m=49
